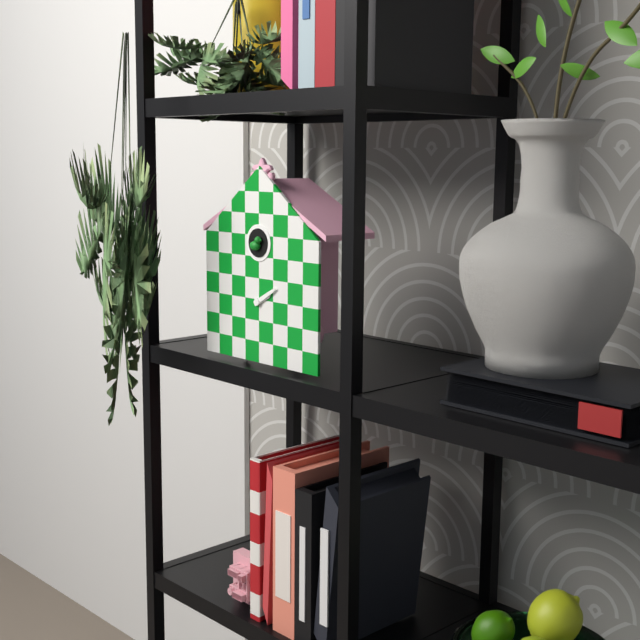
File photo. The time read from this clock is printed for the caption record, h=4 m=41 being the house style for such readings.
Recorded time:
h=2 m=10
